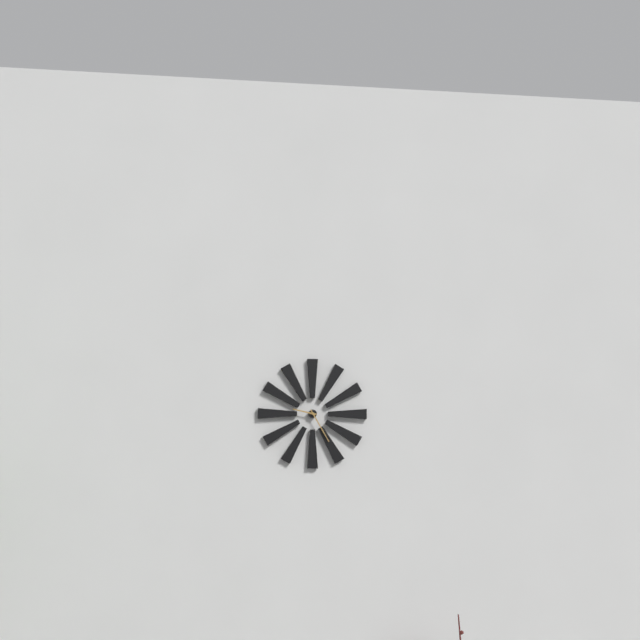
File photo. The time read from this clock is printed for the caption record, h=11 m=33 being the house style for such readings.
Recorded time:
h=9 m=25
